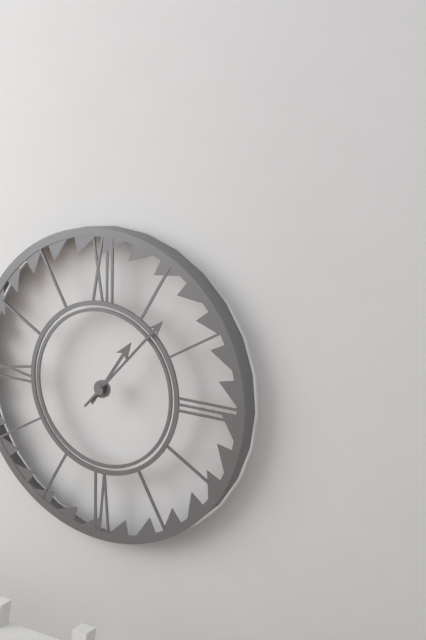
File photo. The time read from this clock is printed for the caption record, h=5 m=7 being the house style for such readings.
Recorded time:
h=1 m=7
